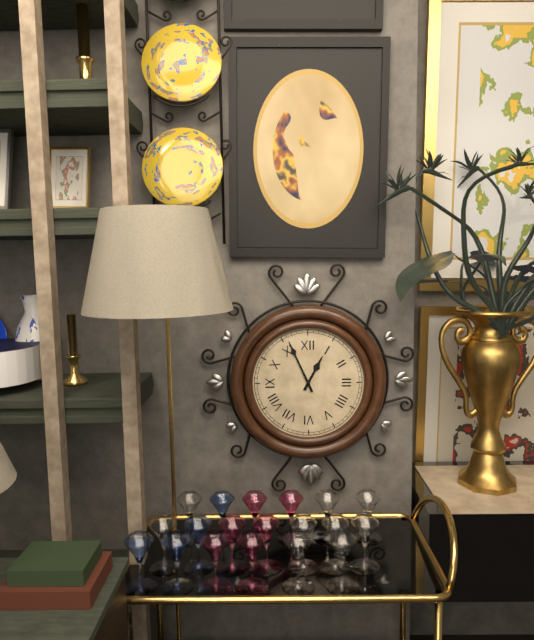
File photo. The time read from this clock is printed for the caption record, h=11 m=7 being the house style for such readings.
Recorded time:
h=12 m=56
